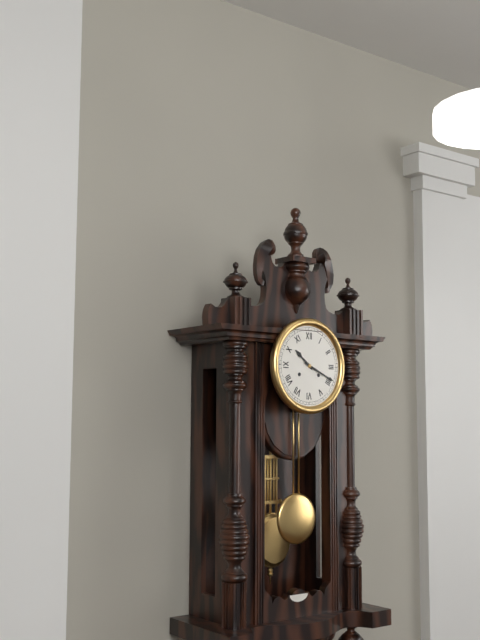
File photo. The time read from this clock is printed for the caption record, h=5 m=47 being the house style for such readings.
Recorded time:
h=10 m=19
